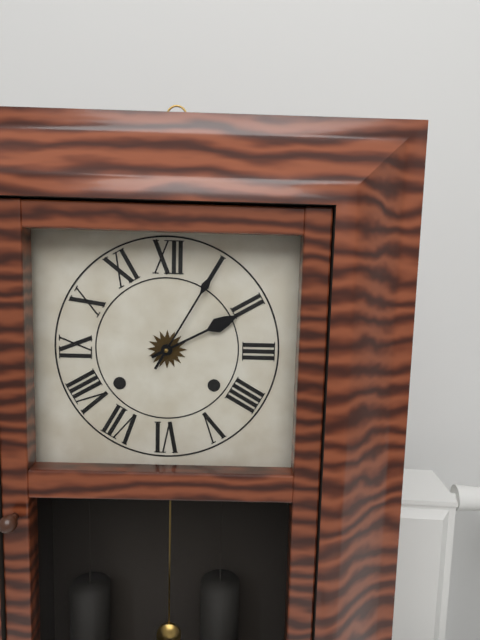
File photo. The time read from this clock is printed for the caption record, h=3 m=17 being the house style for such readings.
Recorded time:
h=2 m=5
